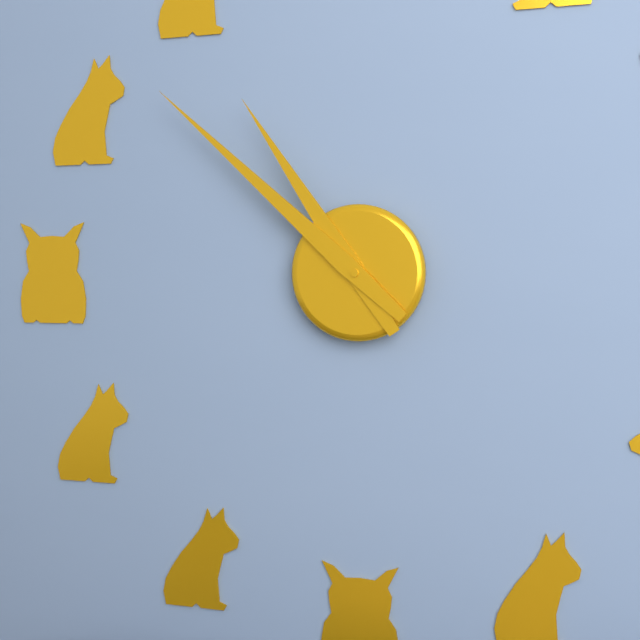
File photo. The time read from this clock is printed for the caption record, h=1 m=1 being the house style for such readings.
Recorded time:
h=10 m=52
